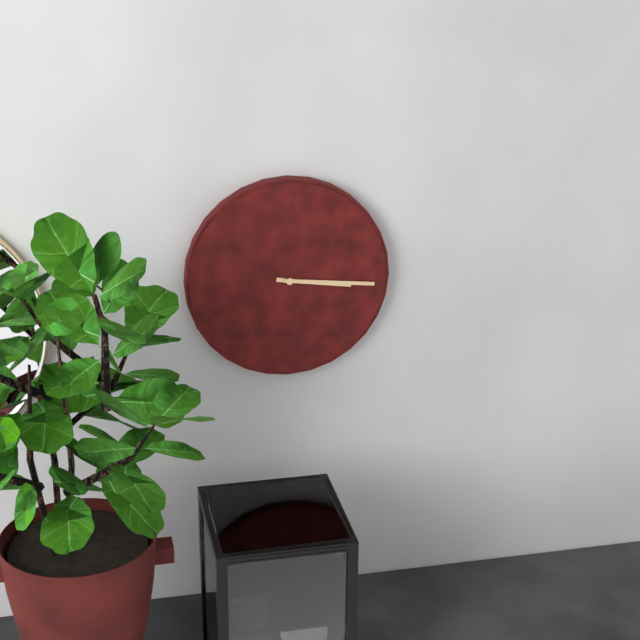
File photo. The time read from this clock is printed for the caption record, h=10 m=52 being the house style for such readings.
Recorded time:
h=3 m=16
